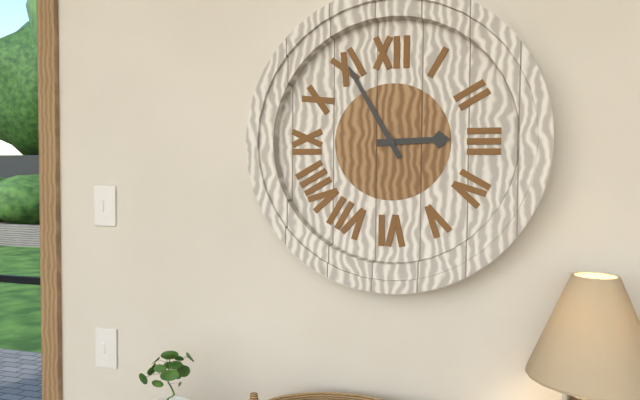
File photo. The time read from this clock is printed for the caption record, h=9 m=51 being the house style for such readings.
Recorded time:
h=2 m=55
